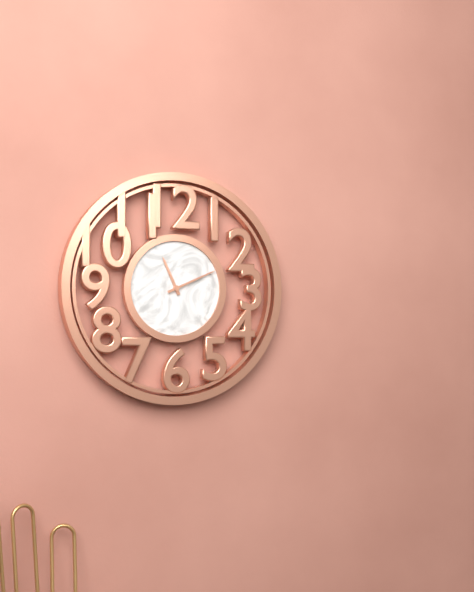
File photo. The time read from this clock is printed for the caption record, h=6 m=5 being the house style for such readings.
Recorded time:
h=11 m=11
